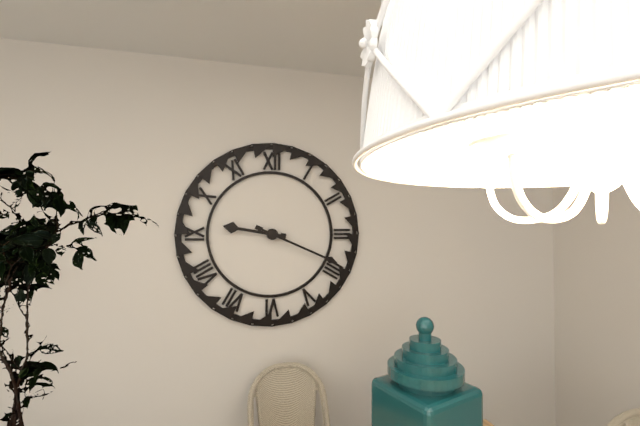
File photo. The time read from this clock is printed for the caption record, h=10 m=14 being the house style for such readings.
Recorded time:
h=9 m=19
